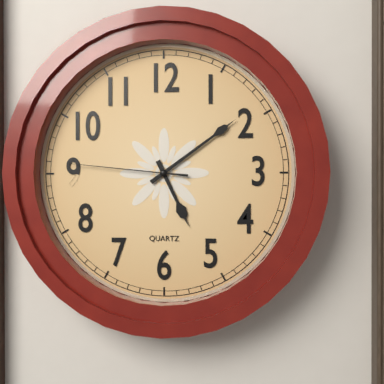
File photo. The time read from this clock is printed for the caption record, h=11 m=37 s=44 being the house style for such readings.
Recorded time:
h=5 m=9 s=46
